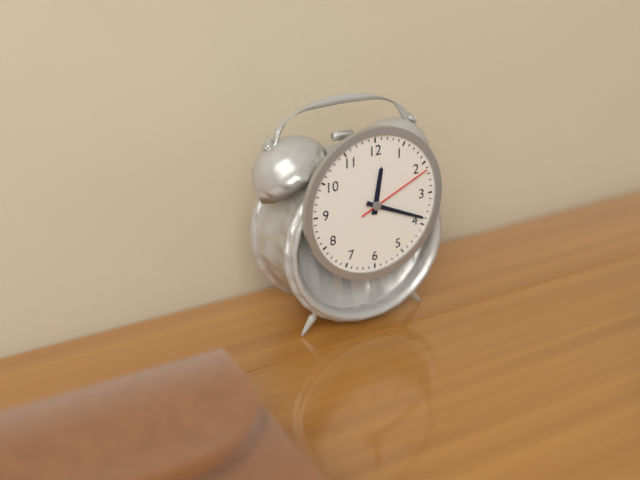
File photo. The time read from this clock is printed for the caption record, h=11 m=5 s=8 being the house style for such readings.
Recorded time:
h=12 m=19 s=11
